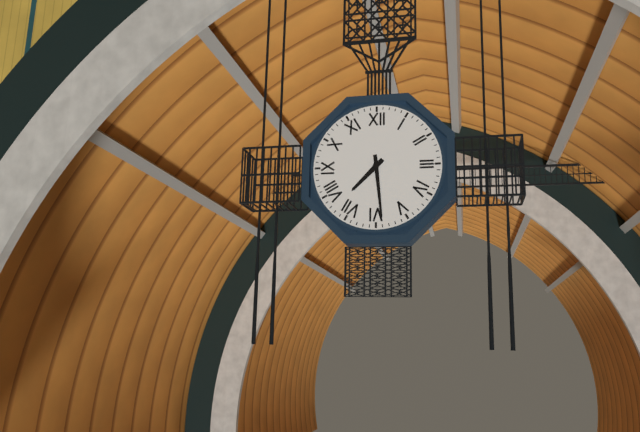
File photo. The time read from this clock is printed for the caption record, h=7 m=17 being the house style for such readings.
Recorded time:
h=7 m=29
